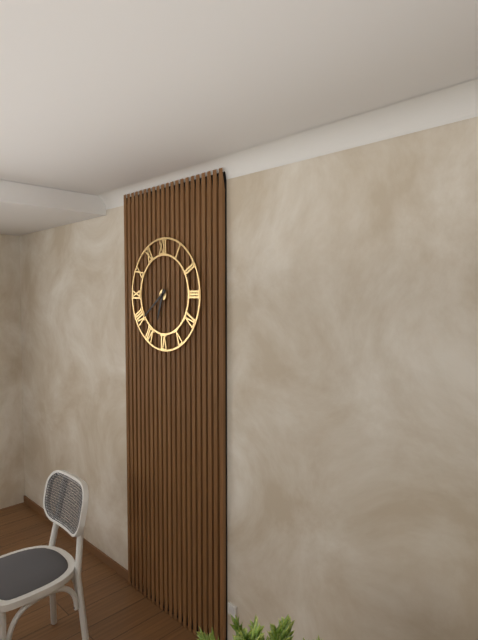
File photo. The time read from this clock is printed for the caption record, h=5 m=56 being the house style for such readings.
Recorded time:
h=6 m=39
